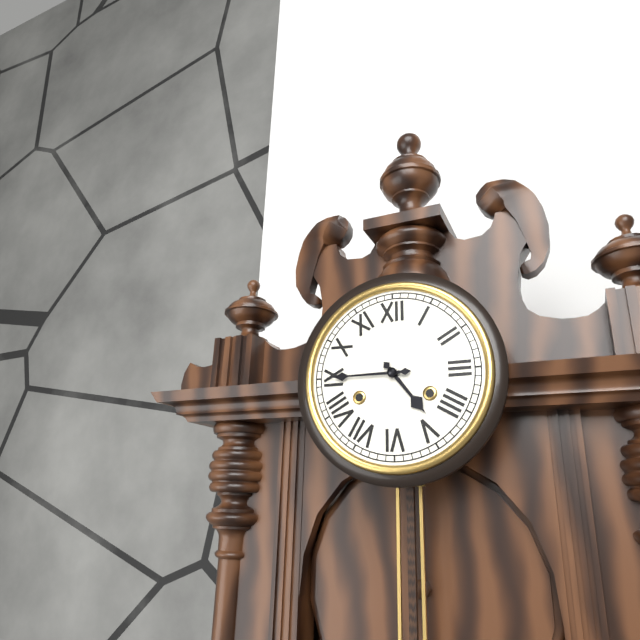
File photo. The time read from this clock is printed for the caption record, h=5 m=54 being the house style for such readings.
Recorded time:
h=4 m=45
